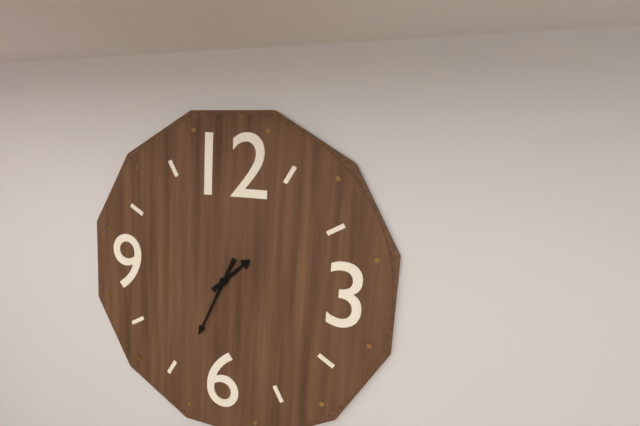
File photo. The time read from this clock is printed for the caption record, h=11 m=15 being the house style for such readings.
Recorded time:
h=1 m=34
